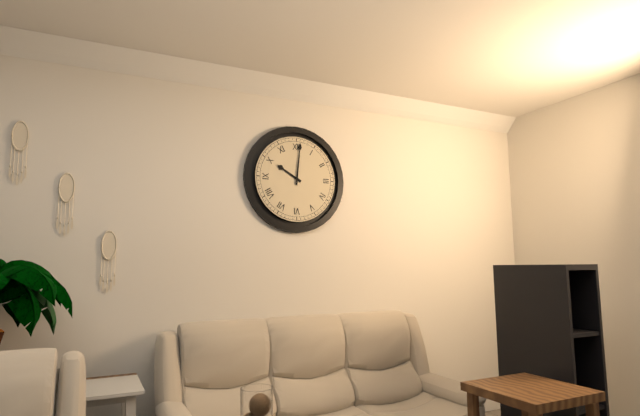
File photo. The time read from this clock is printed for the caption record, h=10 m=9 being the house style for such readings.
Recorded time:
h=10 m=1
